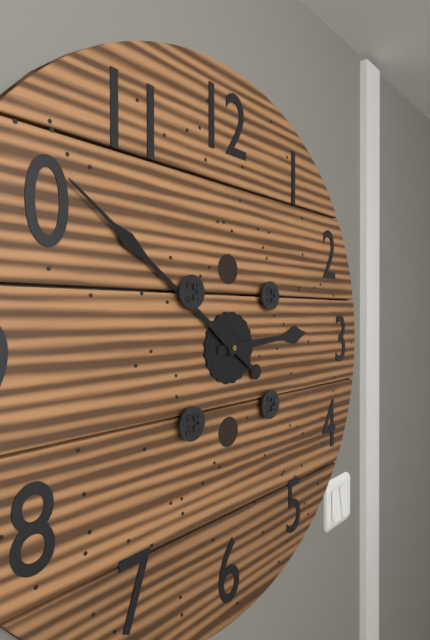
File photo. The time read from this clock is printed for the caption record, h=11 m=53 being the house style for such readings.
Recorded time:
h=2 m=51
